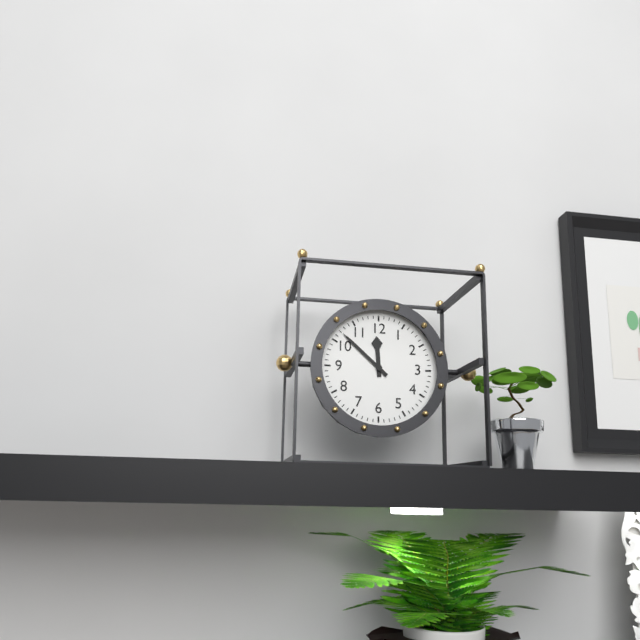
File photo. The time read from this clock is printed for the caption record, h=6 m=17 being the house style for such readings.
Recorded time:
h=11 m=52
